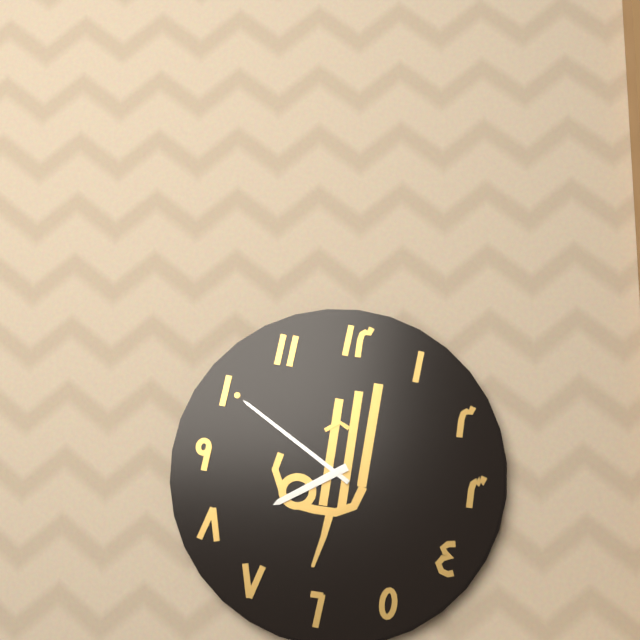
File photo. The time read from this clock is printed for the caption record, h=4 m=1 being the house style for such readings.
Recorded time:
h=7 m=50
